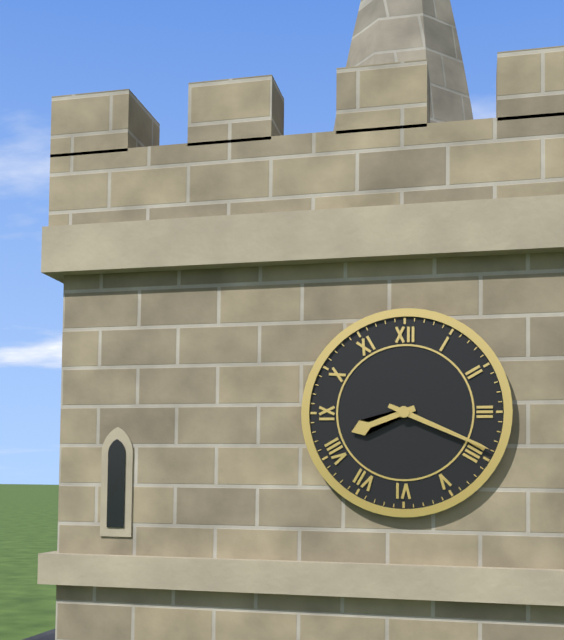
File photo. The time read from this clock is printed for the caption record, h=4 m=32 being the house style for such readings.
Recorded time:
h=8 m=19
